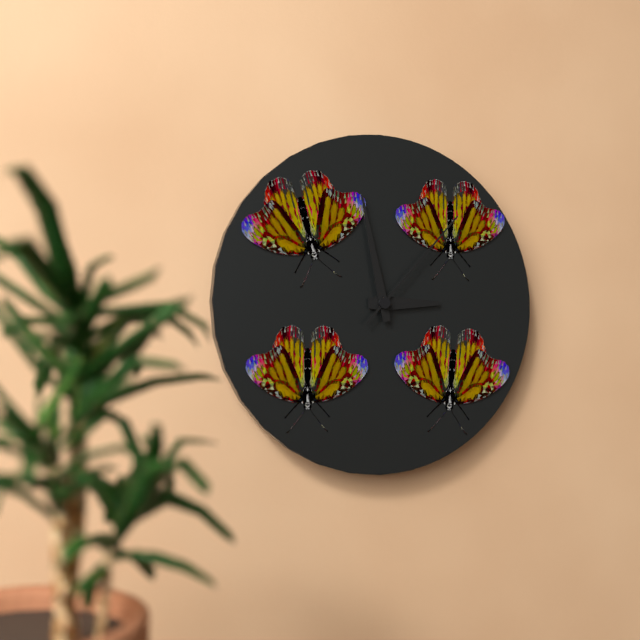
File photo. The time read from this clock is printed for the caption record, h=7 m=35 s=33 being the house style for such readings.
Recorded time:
h=2 m=58 s=7
